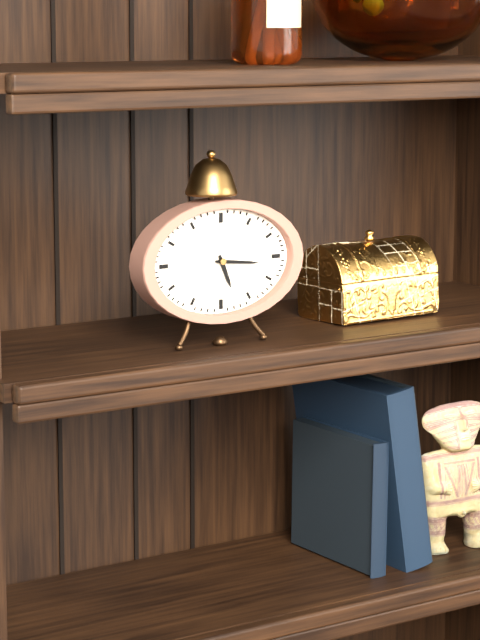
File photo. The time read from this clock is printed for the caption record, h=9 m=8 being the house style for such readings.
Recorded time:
h=5 m=16
